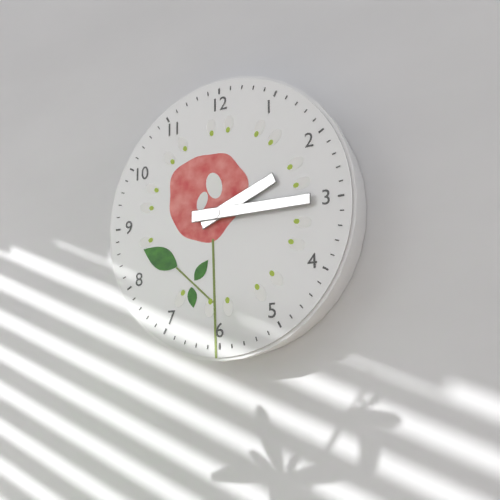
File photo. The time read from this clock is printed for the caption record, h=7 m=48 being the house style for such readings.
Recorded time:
h=2 m=15
